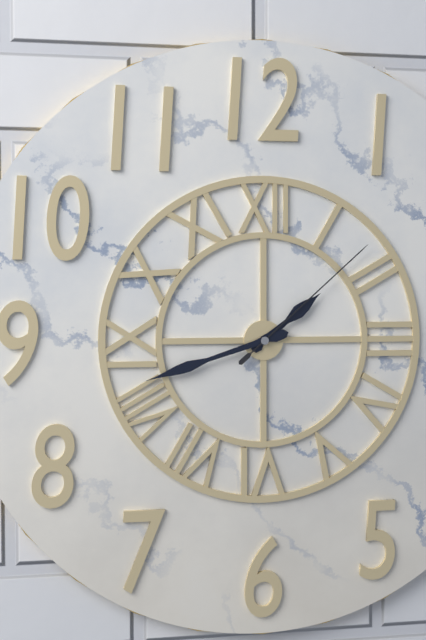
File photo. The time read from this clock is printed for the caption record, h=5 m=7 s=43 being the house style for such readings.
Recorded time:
h=1 m=42 s=8
